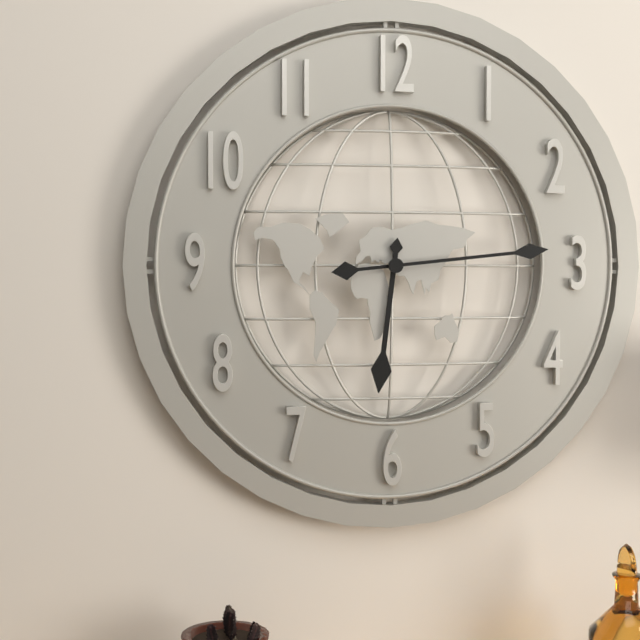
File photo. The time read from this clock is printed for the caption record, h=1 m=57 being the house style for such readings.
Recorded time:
h=6 m=14
